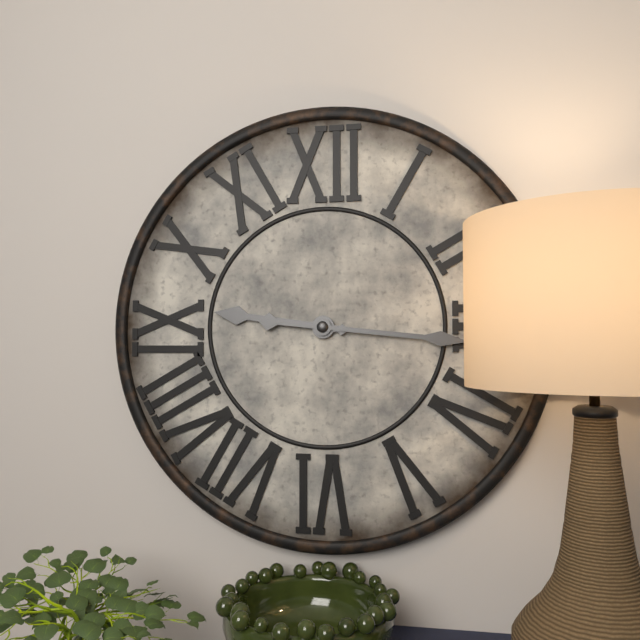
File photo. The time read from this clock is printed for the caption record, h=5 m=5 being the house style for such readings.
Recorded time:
h=9 m=16
